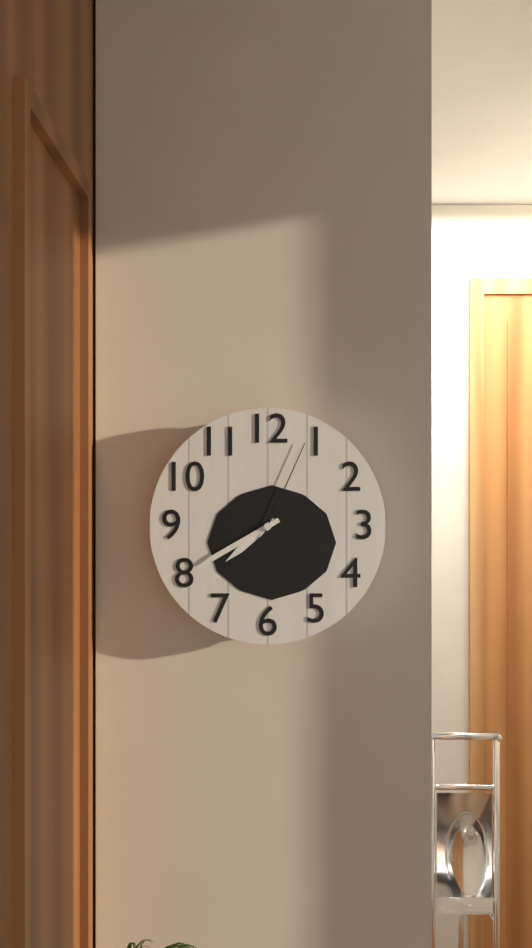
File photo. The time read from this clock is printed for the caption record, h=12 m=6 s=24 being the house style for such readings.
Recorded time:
h=7 m=40 s=4
